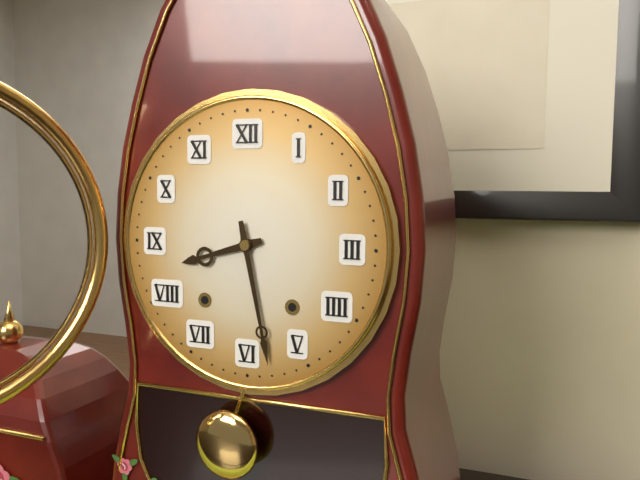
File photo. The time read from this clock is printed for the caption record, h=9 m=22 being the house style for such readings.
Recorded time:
h=8 m=28
